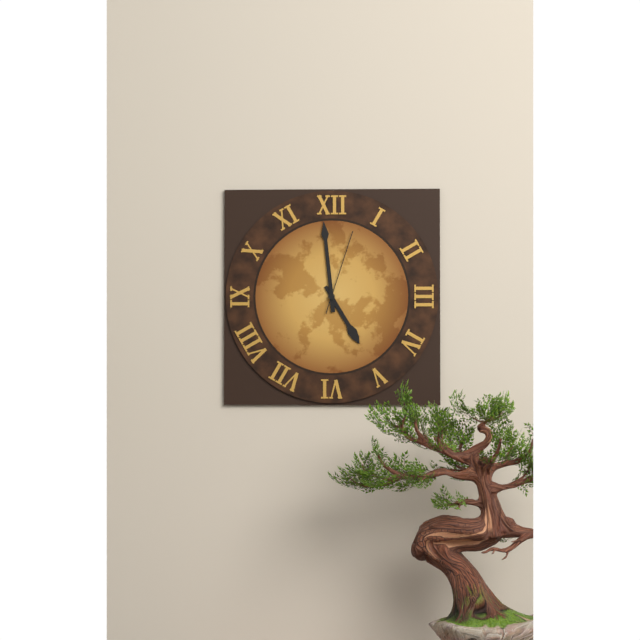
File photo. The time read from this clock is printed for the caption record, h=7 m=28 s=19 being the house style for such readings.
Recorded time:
h=4 m=59 s=3
